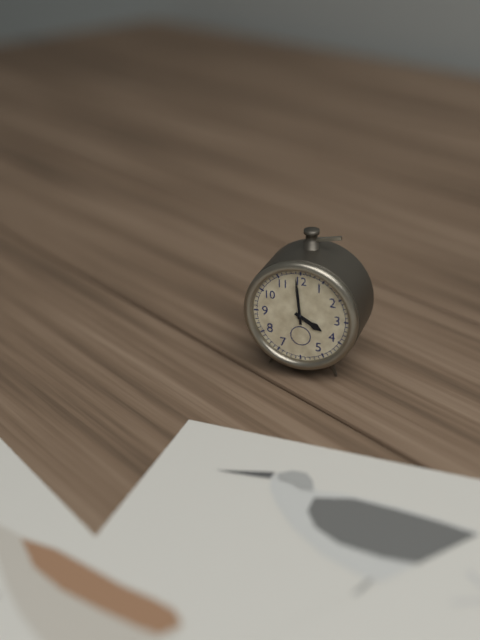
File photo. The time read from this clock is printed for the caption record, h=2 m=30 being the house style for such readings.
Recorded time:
h=3 m=59
